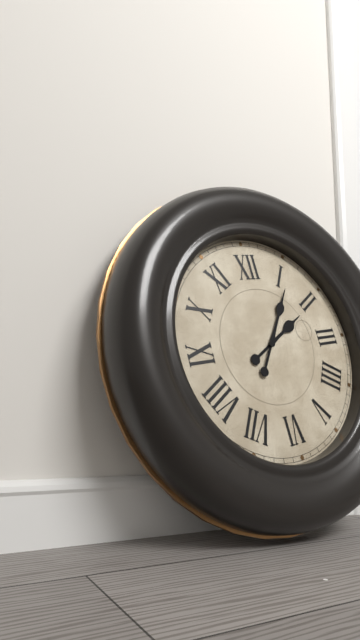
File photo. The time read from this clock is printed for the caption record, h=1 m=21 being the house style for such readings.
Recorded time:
h=2 m=6
